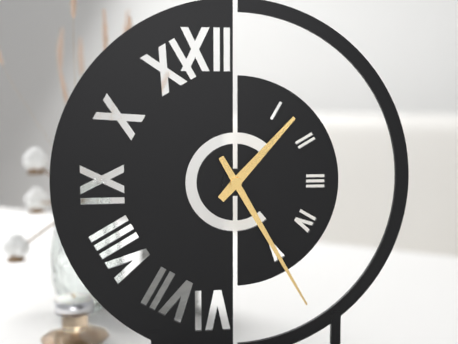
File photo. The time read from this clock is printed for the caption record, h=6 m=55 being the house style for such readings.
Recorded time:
h=1 m=25
